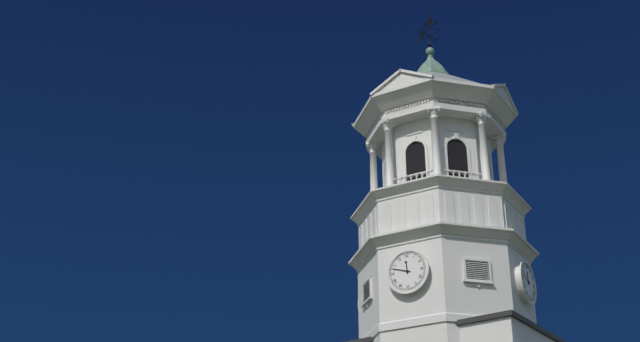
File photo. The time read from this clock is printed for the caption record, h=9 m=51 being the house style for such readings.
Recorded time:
h=11 m=48
